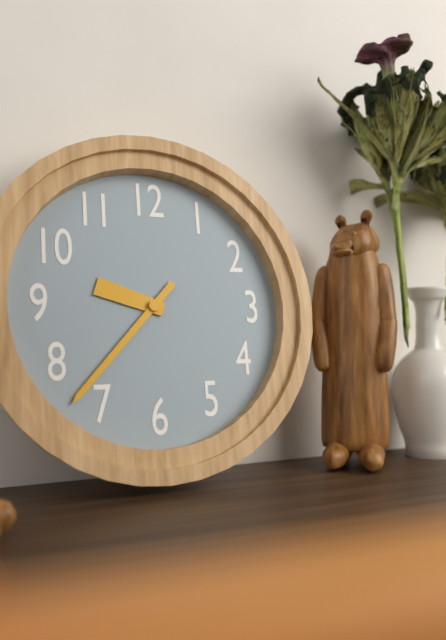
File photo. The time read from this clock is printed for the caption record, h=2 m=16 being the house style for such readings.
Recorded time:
h=9 m=37
